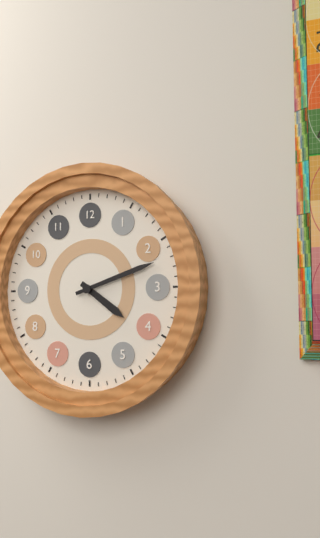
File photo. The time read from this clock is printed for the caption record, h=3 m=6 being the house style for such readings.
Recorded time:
h=4 m=12
